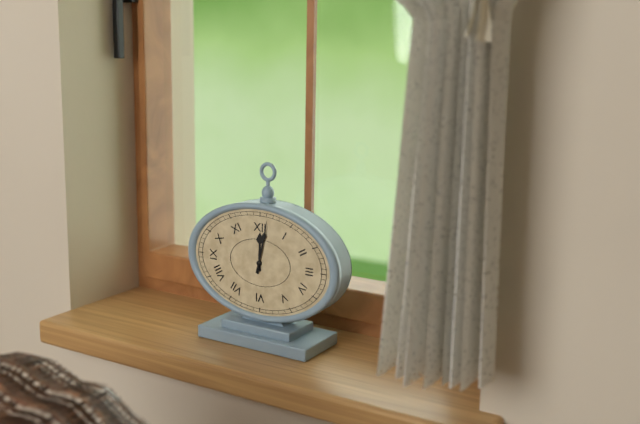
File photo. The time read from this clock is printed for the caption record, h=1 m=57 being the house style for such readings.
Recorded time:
h=12 m=2
